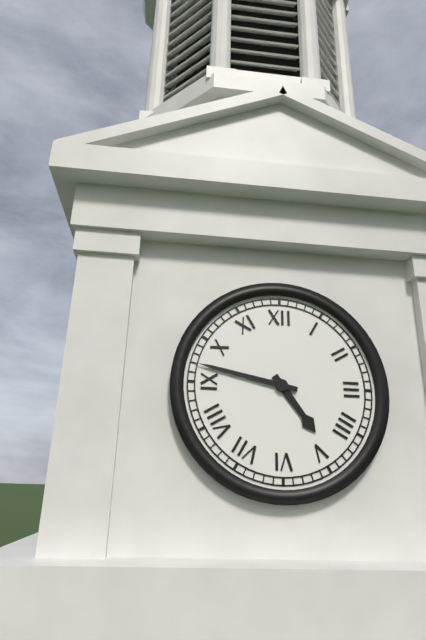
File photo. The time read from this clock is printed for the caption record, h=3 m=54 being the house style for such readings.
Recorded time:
h=4 m=47
